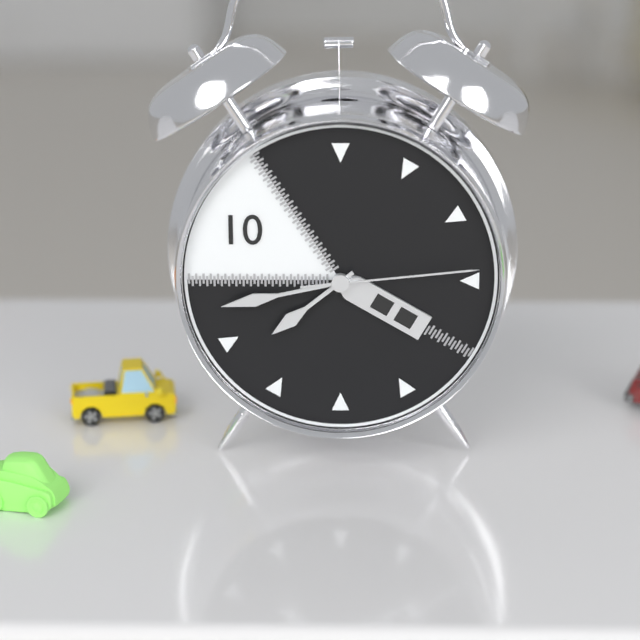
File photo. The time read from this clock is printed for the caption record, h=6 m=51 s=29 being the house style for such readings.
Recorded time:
h=7 m=43 s=14
